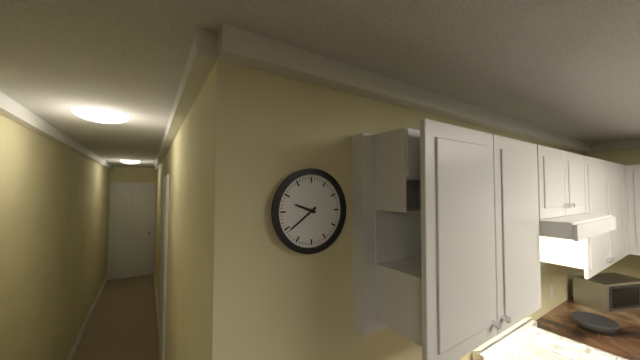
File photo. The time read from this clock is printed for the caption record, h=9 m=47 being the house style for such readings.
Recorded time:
h=9 m=39
